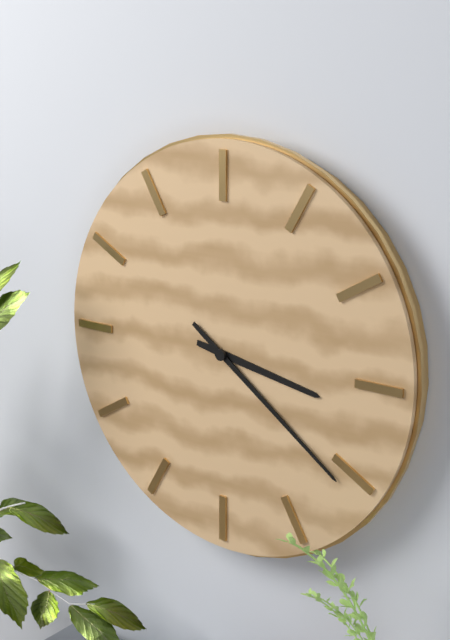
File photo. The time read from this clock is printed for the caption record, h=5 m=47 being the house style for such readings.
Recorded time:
h=3 m=21
